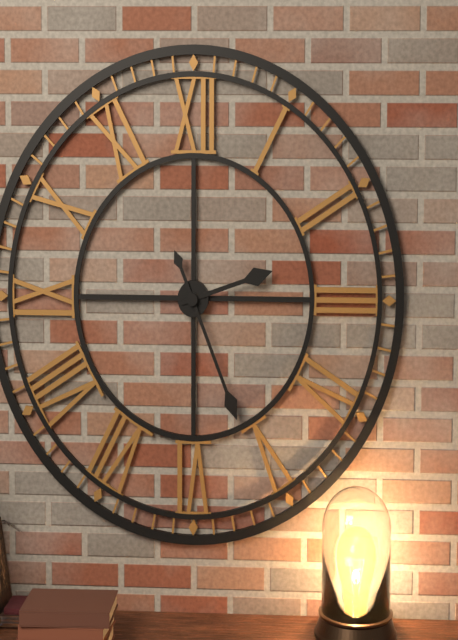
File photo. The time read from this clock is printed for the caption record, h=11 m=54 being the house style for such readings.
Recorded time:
h=2 m=26
